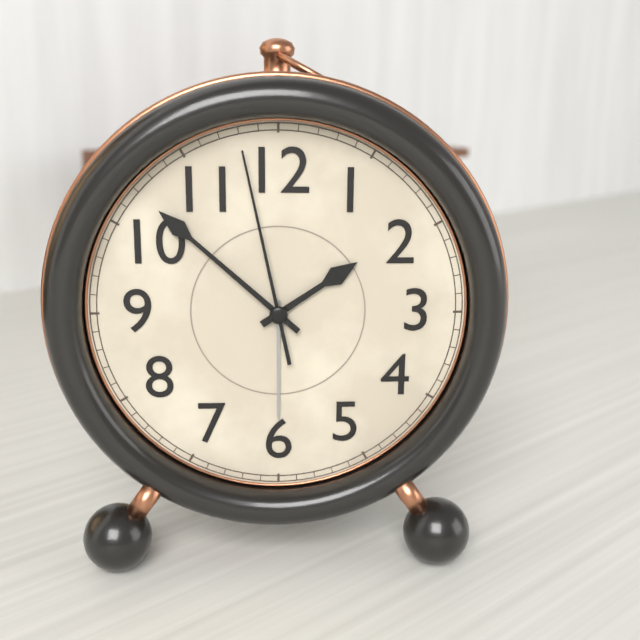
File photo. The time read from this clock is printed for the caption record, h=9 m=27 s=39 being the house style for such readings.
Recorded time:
h=1 m=52 s=58
